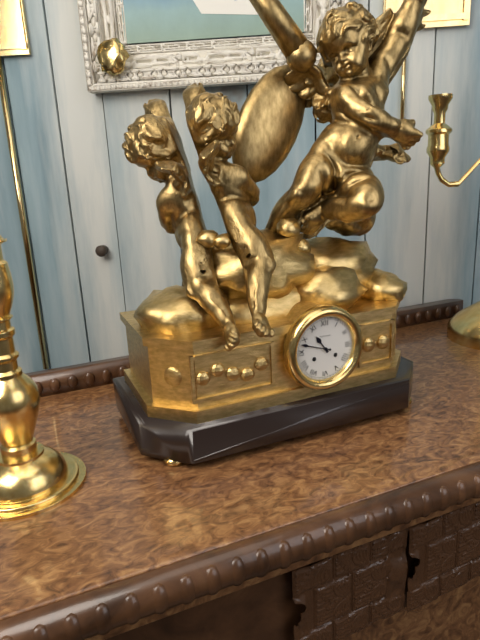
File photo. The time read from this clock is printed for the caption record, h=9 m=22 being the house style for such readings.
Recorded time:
h=10 m=48
